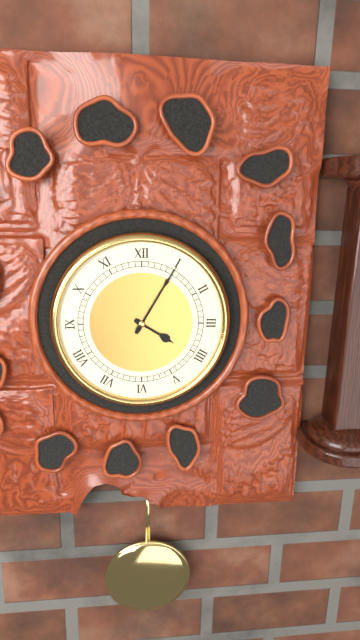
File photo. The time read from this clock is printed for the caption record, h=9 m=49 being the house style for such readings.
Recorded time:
h=4 m=5
